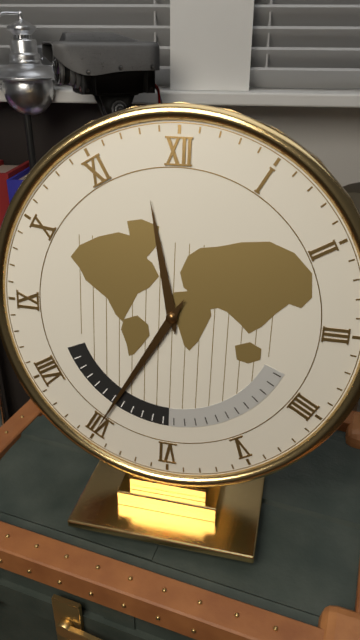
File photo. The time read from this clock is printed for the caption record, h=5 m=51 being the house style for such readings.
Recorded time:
h=11 m=35
